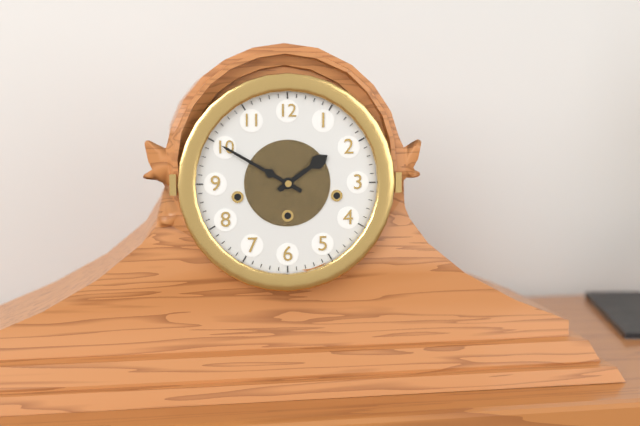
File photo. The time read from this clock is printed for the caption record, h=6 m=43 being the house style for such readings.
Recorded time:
h=1 m=50
